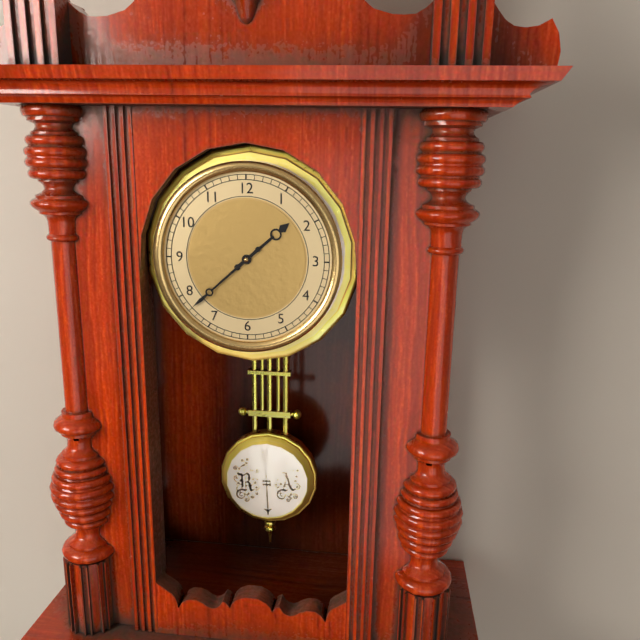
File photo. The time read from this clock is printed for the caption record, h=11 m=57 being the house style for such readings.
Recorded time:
h=1 m=38
